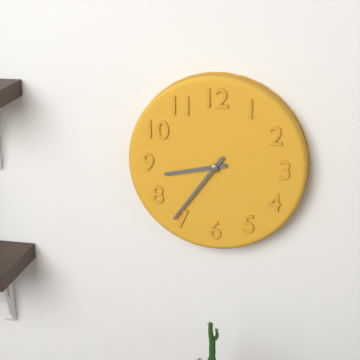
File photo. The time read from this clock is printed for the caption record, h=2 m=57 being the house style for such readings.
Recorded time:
h=8 m=36
